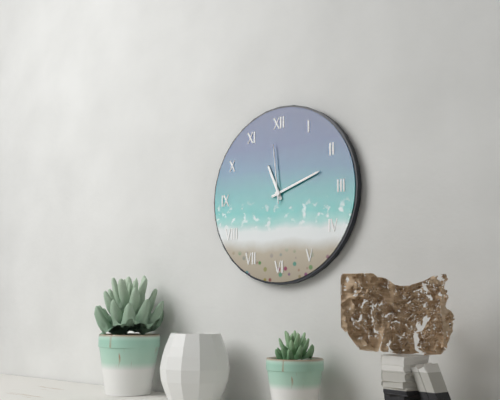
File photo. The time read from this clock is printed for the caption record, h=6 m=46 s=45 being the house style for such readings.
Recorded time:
h=11 m=12 s=59
